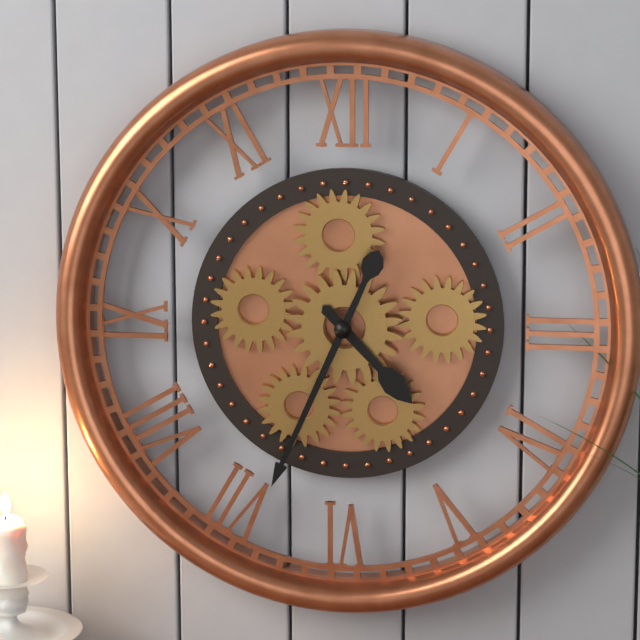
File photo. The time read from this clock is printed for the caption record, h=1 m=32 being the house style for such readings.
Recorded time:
h=4 m=34
